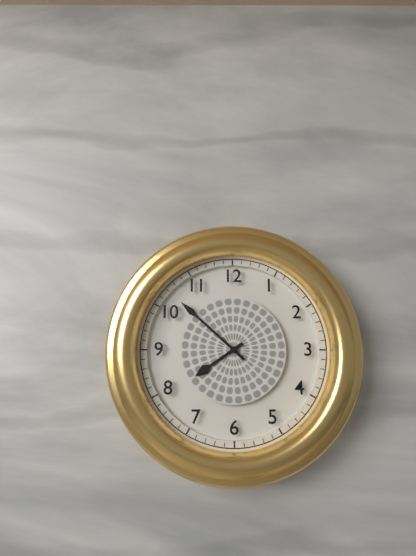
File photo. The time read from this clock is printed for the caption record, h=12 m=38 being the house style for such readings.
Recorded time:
h=7 m=52
